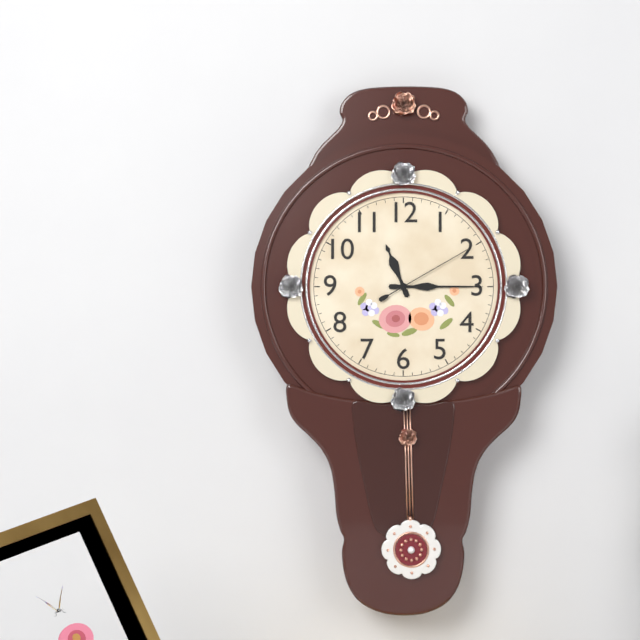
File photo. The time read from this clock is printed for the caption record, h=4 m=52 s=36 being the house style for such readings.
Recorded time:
h=11 m=15 s=10
